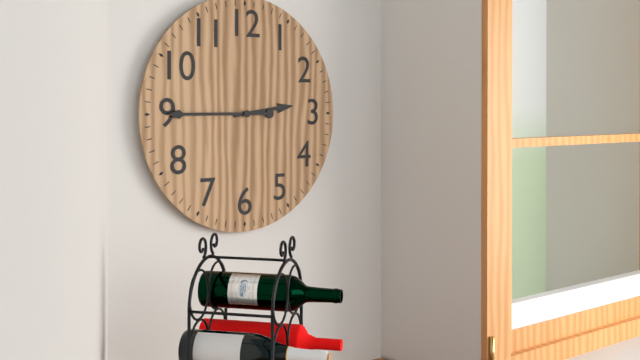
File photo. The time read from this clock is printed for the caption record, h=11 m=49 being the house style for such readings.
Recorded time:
h=2 m=45
